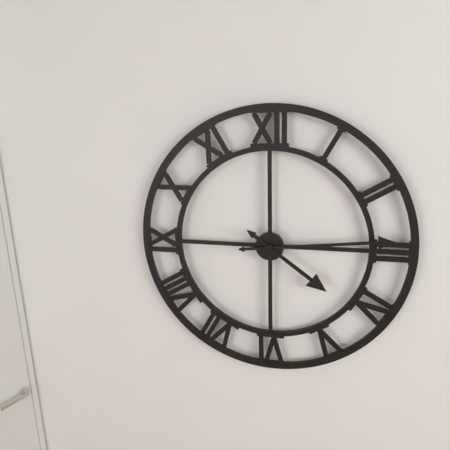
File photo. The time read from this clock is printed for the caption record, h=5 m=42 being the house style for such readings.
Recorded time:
h=4 m=14
